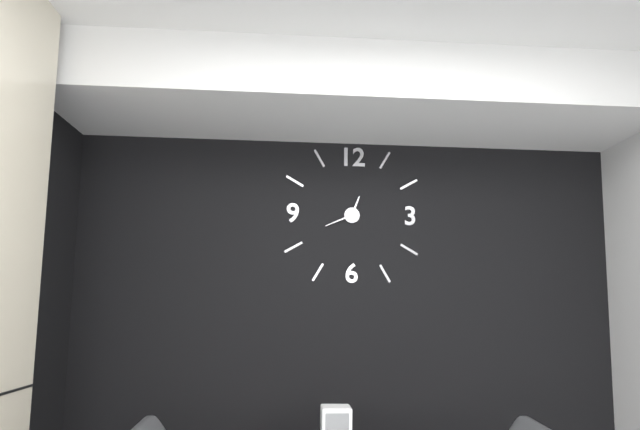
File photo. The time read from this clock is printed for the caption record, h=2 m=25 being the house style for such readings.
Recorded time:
h=12 m=41
